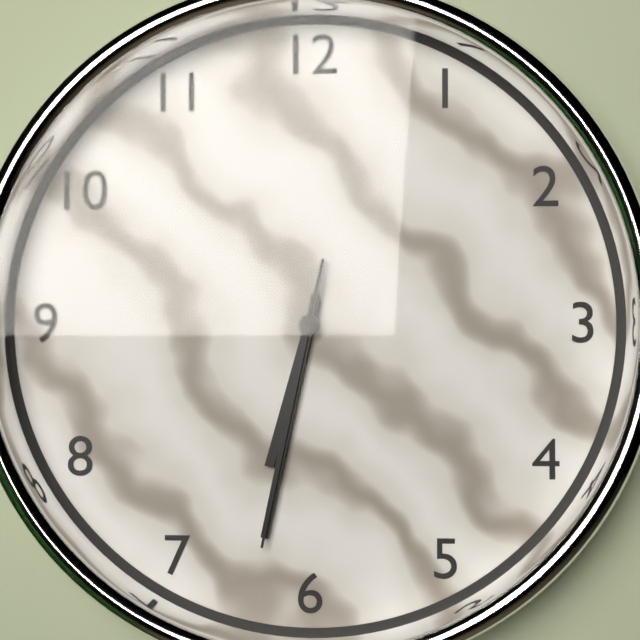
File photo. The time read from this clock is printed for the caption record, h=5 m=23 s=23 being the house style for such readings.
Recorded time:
h=6 m=32 s=32
